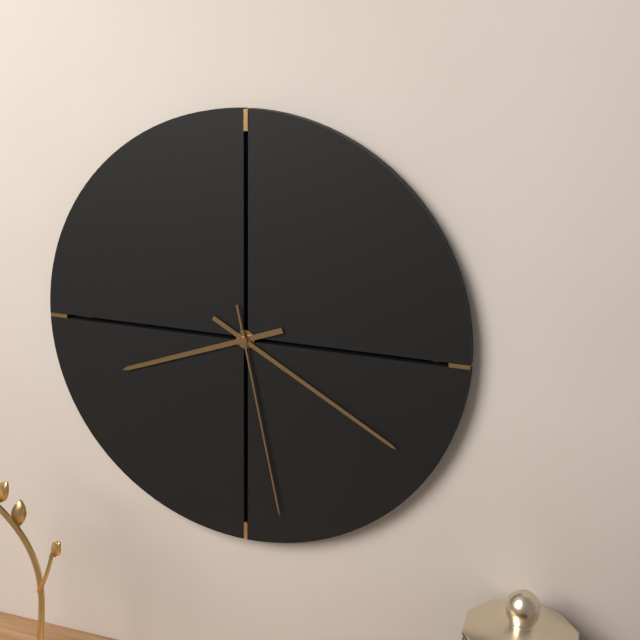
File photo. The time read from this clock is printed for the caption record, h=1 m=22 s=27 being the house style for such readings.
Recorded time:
h=8 m=20 s=28
